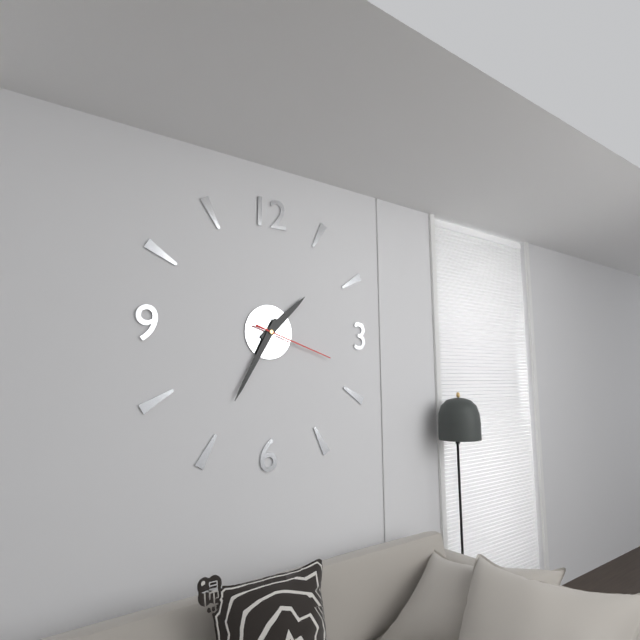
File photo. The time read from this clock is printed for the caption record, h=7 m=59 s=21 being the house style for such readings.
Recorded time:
h=1 m=35 s=18
